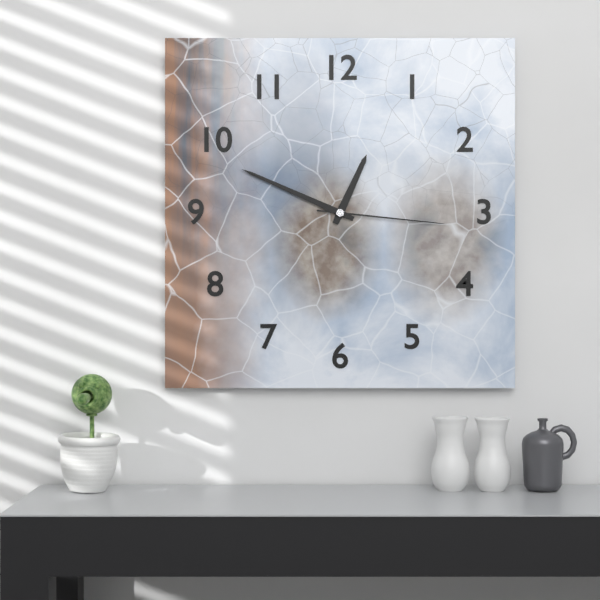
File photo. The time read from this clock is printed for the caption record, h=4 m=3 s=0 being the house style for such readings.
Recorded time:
h=12 m=49 s=16
